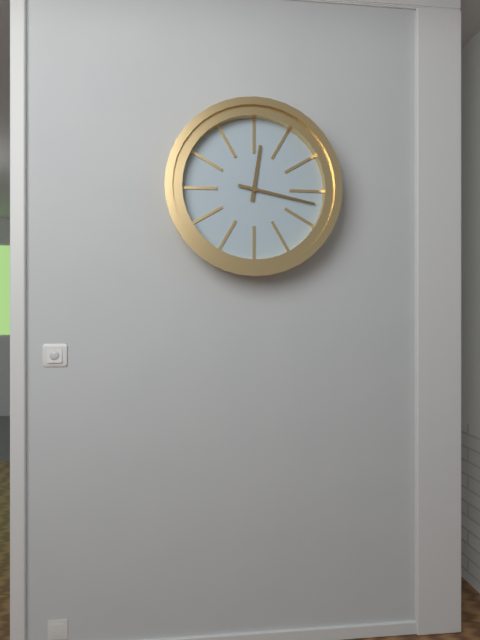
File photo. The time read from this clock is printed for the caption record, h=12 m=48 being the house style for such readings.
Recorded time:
h=12 m=17
